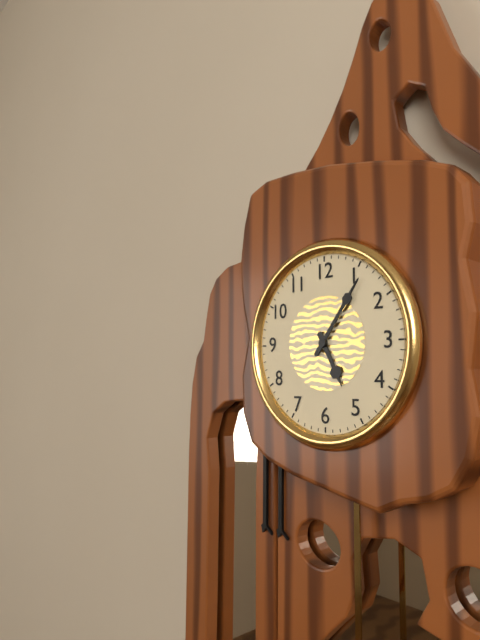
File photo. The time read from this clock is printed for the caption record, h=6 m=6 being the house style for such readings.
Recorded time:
h=5 m=6
